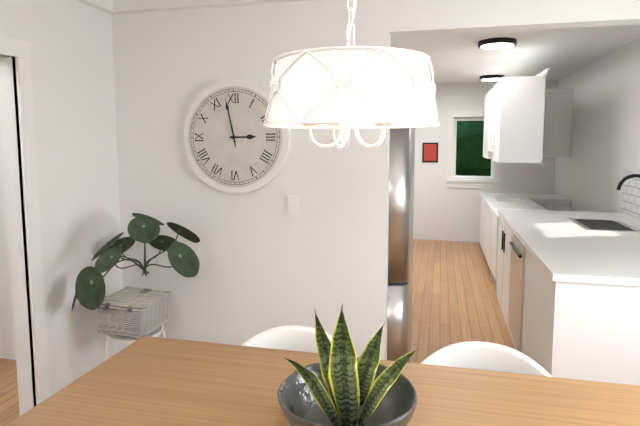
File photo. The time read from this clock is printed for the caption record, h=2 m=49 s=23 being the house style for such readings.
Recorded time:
h=2 m=58 s=58
